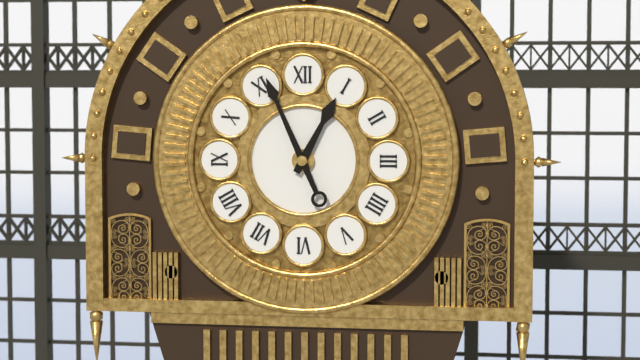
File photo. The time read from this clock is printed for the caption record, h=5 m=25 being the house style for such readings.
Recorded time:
h=12 m=56
